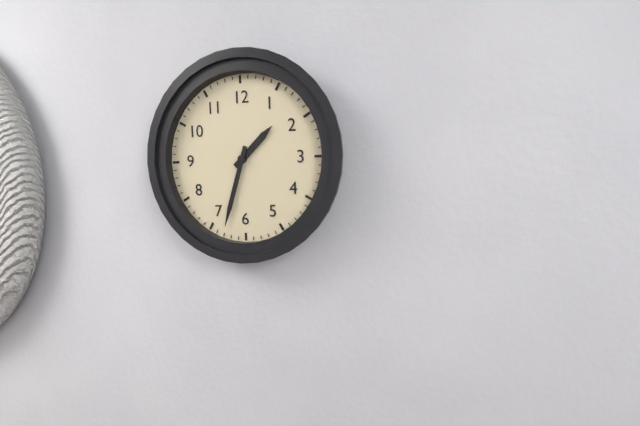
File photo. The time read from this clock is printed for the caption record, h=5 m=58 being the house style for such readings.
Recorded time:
h=1 m=33
